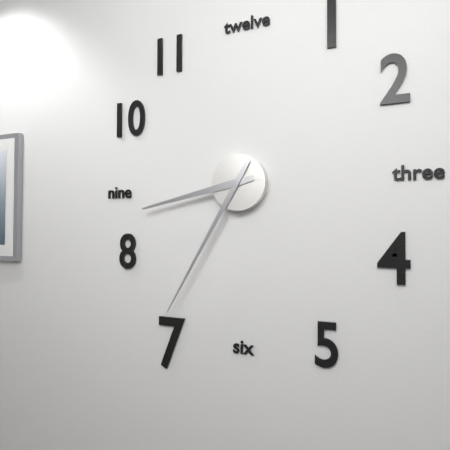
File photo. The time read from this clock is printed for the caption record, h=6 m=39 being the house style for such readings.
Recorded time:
h=8 m=35
